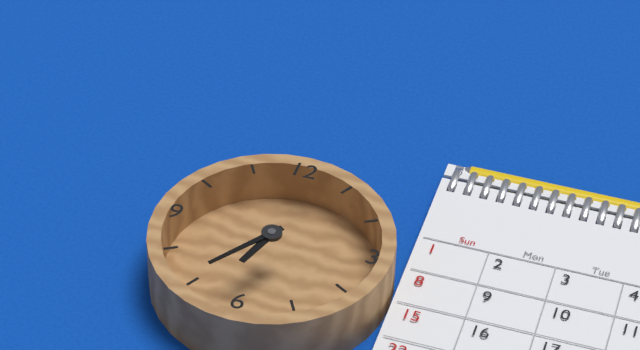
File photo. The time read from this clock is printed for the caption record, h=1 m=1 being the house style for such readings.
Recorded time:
h=6 m=36
